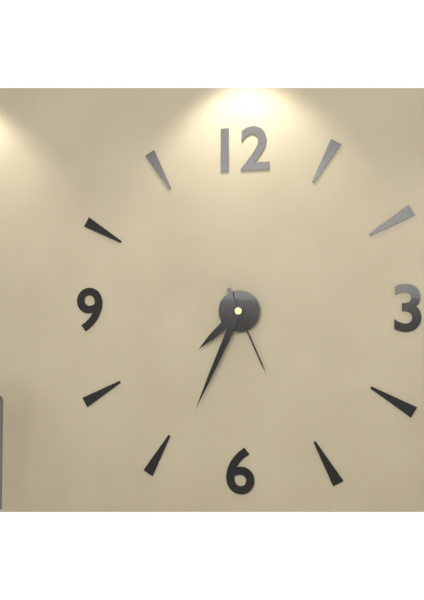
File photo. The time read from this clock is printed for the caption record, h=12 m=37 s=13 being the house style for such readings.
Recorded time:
h=7 m=34 s=26
